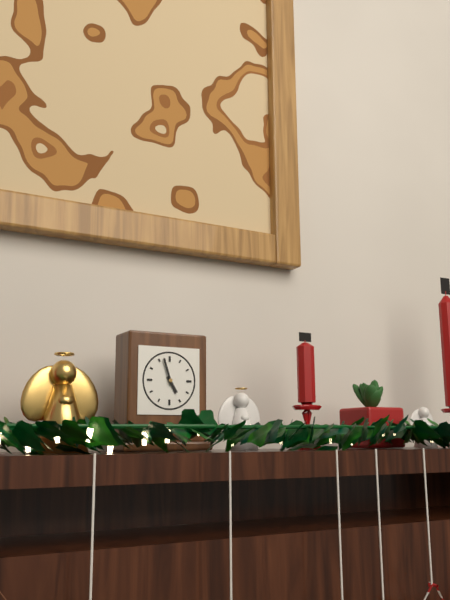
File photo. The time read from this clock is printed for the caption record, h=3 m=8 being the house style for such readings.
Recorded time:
h=4 m=57
